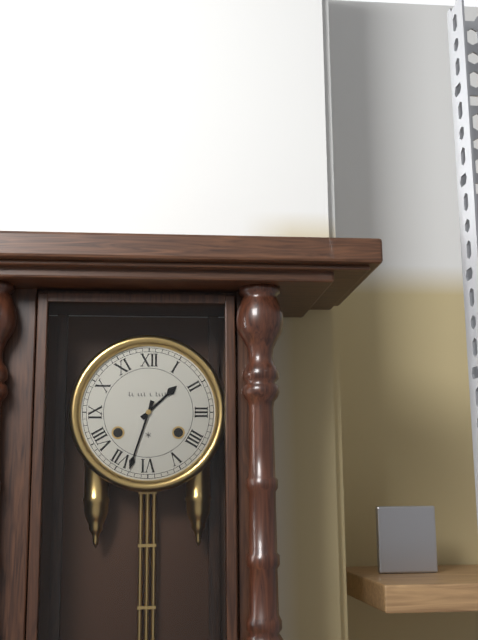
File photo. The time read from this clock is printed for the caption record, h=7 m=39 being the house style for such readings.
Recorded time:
h=1 m=33
